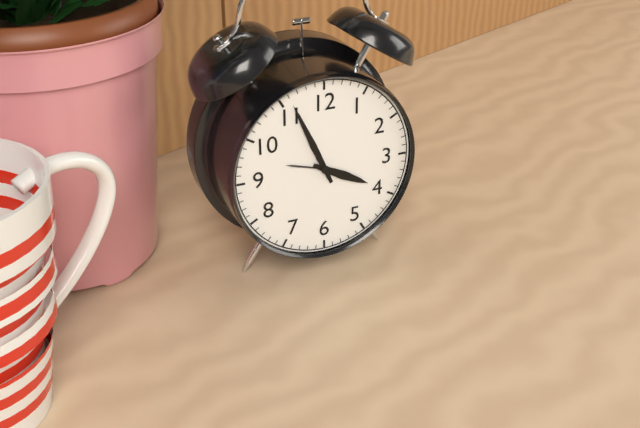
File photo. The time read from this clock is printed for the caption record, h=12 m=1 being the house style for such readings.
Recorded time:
h=3 m=56
